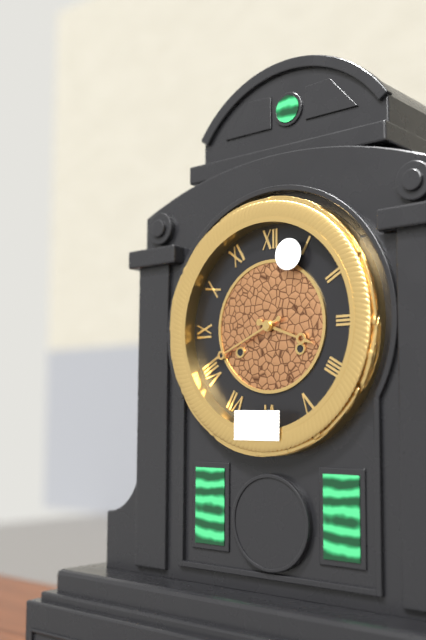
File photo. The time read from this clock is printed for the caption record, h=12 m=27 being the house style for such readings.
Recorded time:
h=3 m=41
